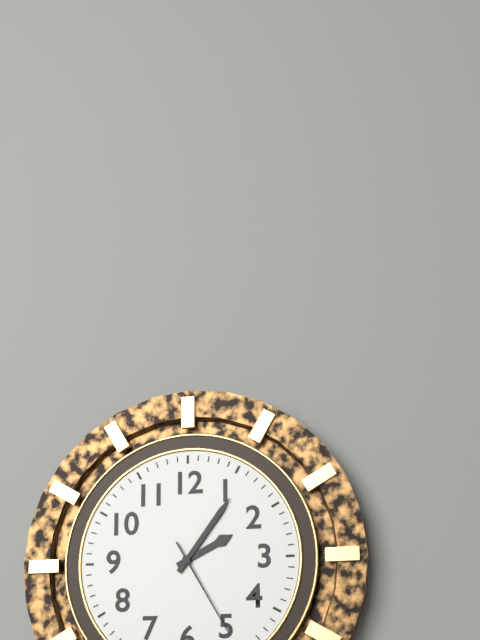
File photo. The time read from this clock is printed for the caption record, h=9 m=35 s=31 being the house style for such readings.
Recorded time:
h=2 m=6 s=25
